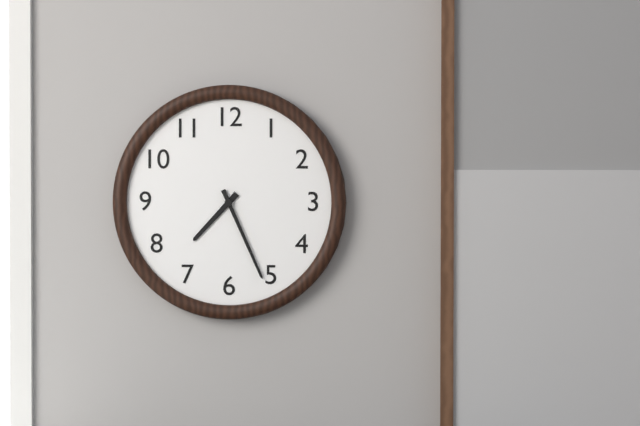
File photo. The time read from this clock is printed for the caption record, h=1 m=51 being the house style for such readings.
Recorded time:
h=7 m=26
